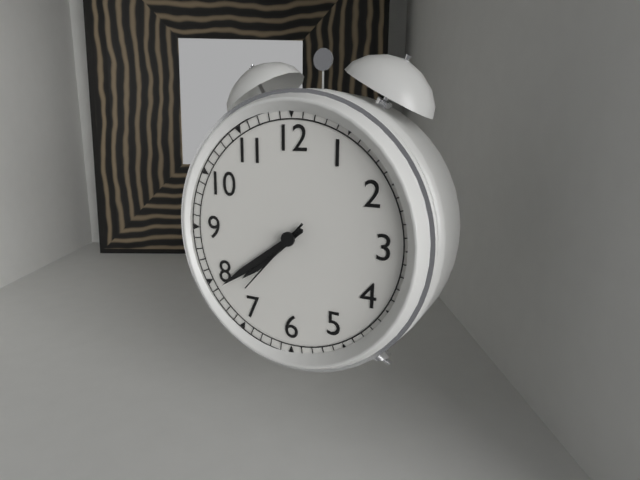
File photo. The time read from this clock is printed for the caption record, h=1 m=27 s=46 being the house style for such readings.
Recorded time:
h=7 m=39 s=37
